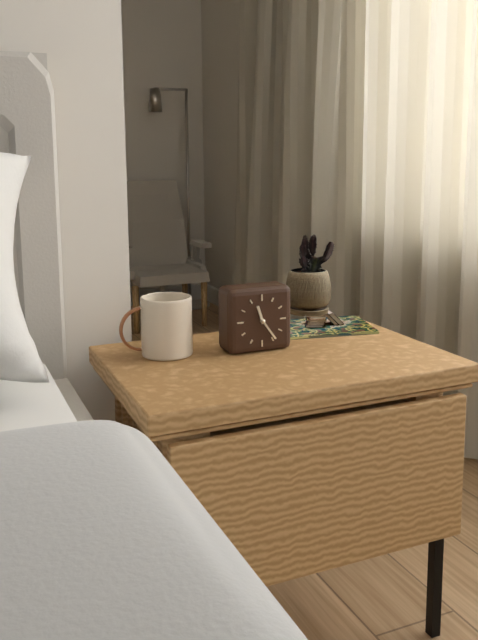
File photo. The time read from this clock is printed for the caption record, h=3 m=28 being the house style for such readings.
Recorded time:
h=11 m=24
